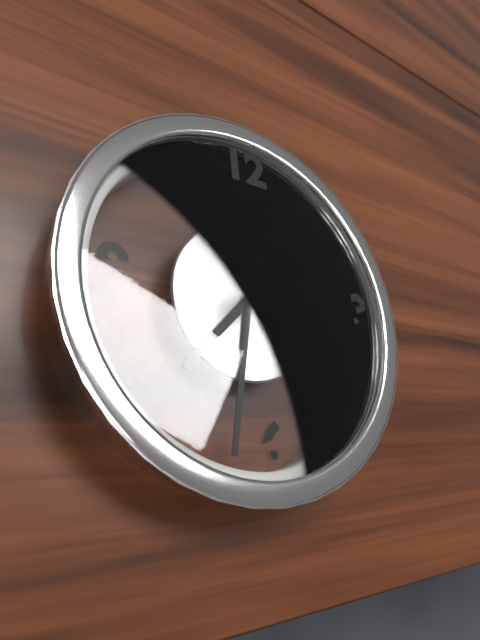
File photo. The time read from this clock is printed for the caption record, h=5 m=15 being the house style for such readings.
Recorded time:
h=7 m=32
